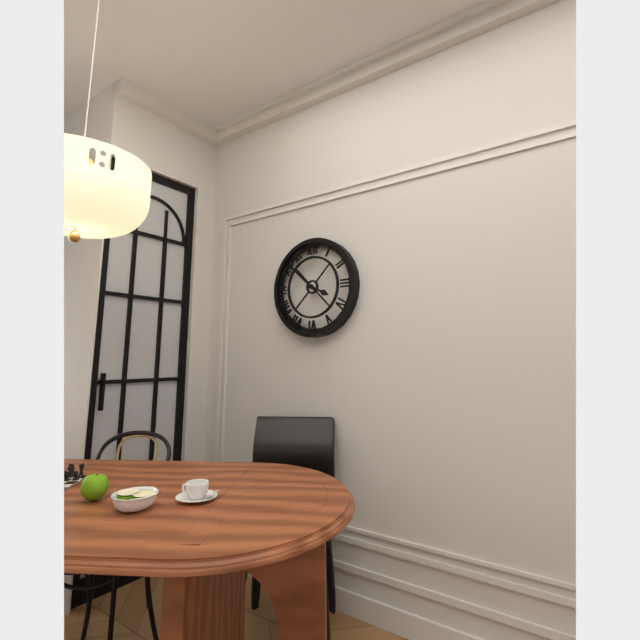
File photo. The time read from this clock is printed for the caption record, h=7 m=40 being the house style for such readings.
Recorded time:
h=3 m=52
